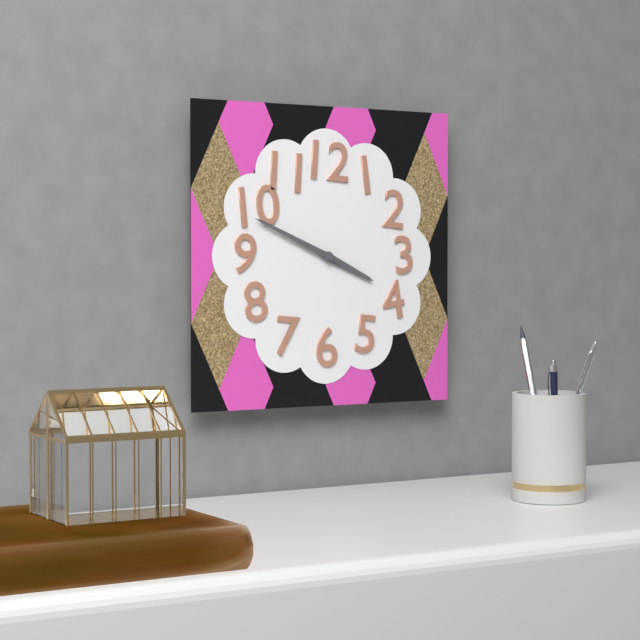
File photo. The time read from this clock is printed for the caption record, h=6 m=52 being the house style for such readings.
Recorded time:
h=3 m=49
